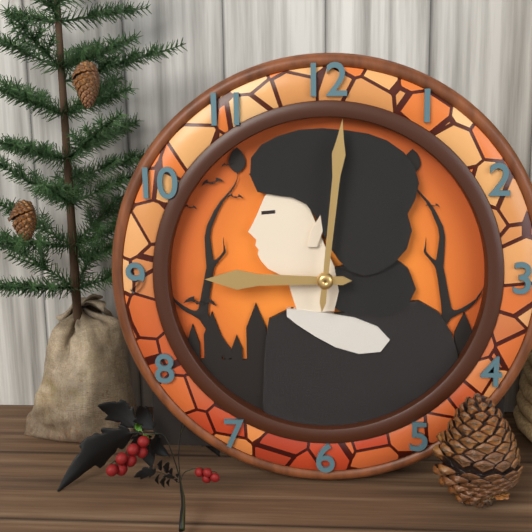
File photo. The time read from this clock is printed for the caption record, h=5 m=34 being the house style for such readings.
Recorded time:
h=9 m=1
